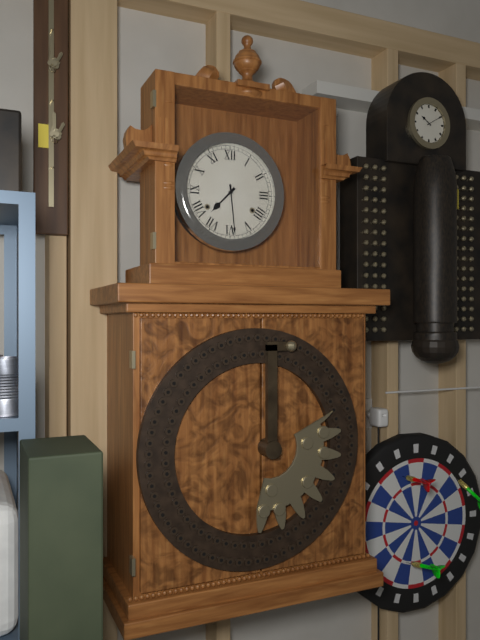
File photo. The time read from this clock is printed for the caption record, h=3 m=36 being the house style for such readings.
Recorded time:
h=7 m=29
